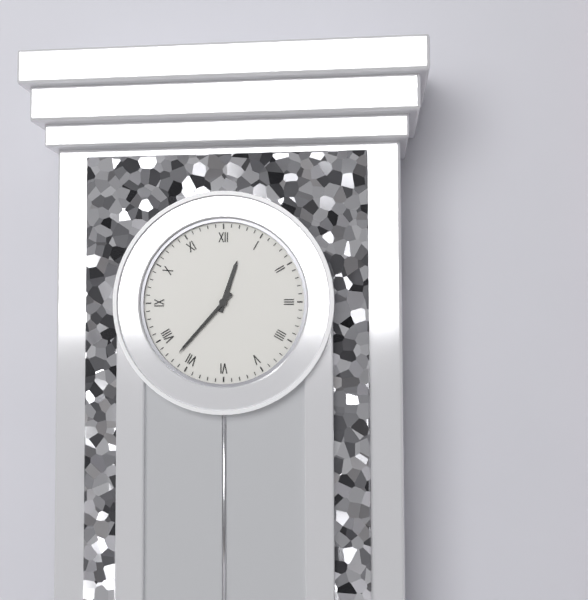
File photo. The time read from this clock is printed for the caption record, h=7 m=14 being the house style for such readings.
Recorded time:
h=12 m=37
